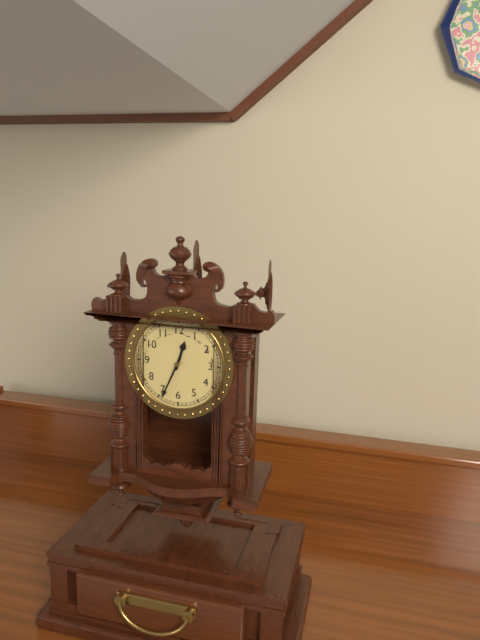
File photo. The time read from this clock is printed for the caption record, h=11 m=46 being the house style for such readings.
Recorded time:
h=12 m=34
